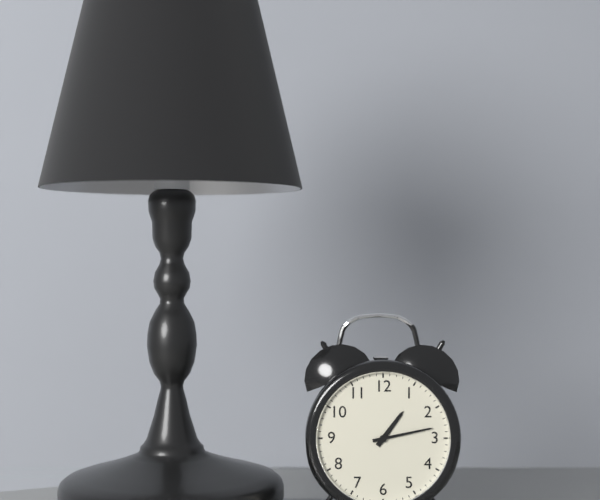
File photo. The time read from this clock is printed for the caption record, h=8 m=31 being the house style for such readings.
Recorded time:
h=1 m=13
